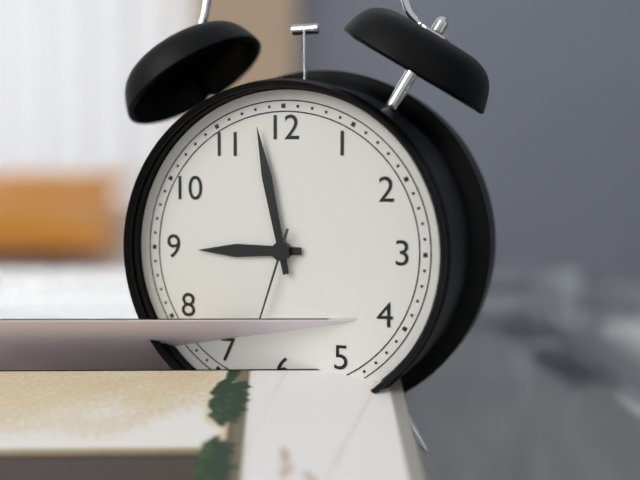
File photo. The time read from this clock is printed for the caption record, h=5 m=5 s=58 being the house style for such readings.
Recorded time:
h=8 m=58 s=33
